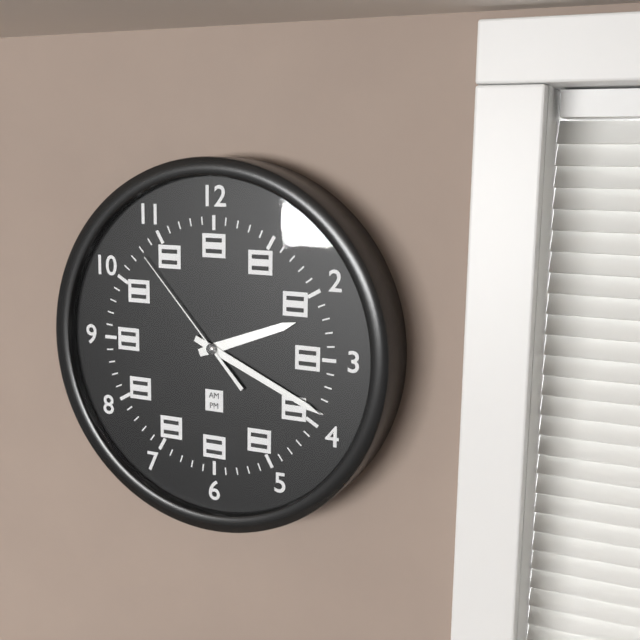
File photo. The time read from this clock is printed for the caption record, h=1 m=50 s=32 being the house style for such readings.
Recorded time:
h=2 m=19 s=53
